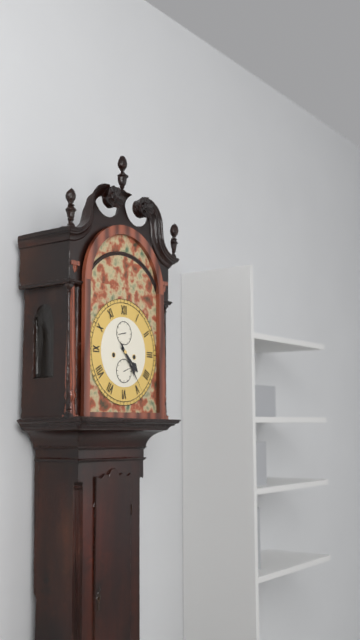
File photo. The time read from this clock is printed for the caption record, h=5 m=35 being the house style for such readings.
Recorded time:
h=4 m=24
